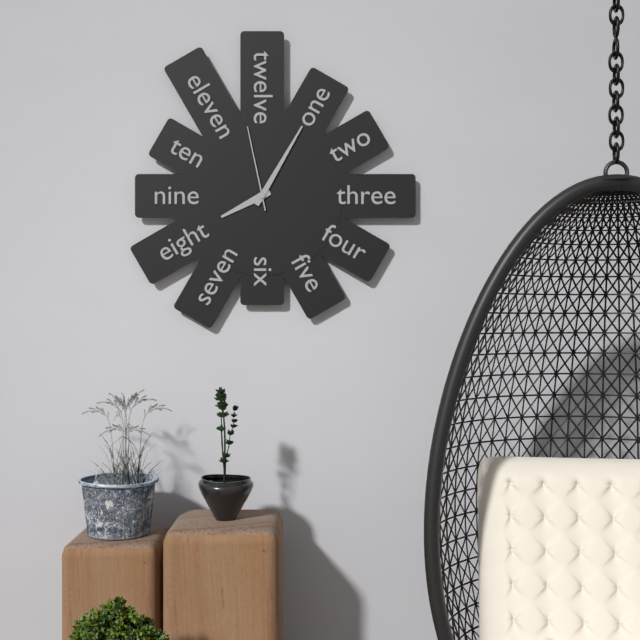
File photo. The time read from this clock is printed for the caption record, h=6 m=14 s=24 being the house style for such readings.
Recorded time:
h=8 m=5 s=58
